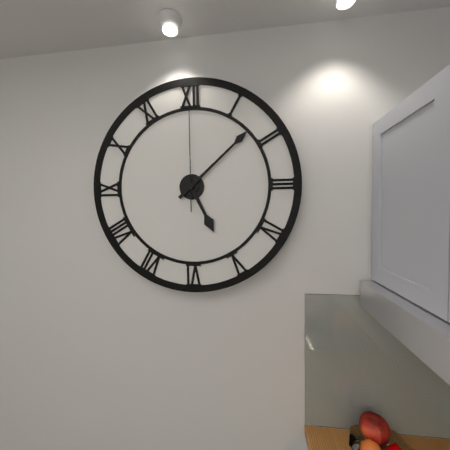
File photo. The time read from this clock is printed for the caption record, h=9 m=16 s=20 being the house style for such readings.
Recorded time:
h=5 m=8 s=0
